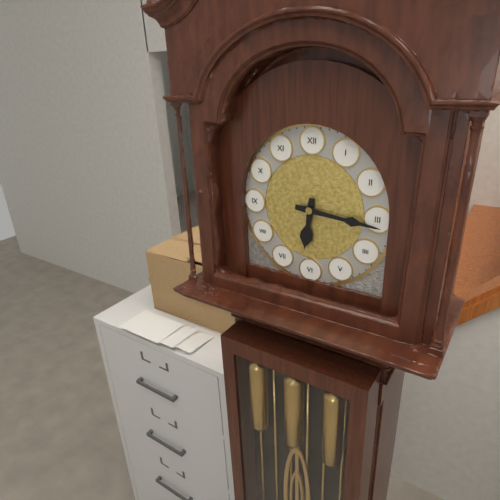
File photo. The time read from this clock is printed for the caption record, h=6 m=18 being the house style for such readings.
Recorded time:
h=6 m=16
